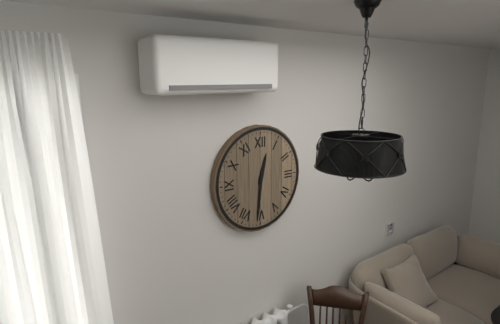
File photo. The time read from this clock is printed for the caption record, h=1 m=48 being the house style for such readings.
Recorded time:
h=12 m=31
